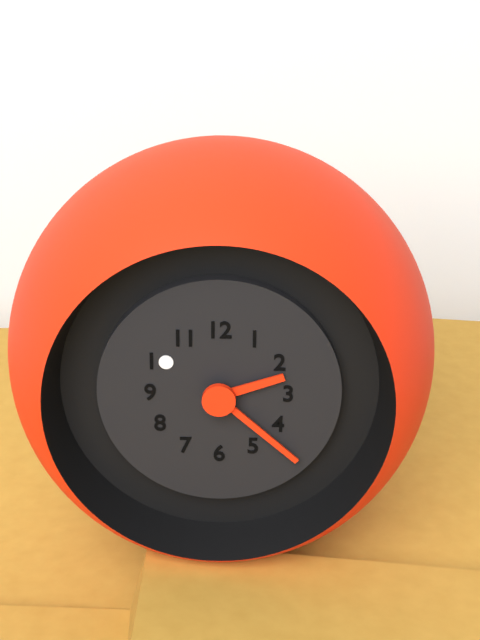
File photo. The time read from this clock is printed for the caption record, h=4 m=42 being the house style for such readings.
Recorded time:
h=2 m=22
